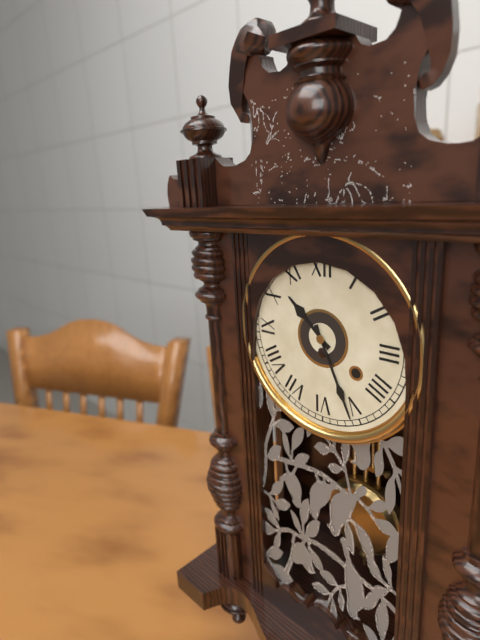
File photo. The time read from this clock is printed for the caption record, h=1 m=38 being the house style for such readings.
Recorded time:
h=10 m=26
